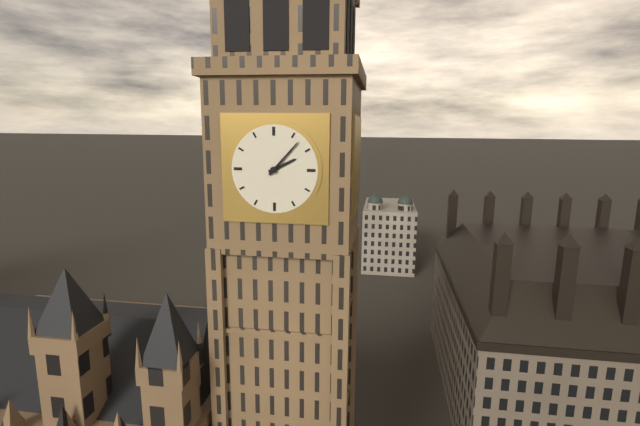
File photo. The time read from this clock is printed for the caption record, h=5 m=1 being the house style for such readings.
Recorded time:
h=2 m=7
